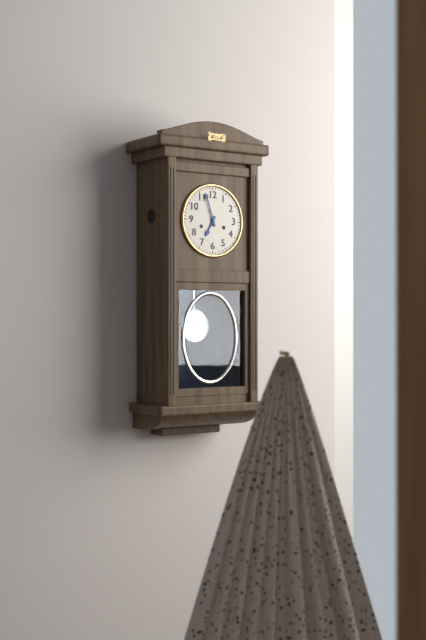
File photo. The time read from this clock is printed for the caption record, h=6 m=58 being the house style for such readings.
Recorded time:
h=6 m=57
